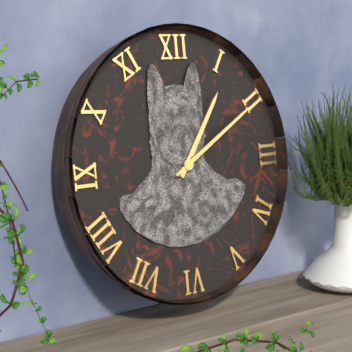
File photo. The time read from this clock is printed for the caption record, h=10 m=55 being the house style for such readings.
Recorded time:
h=1 m=10
